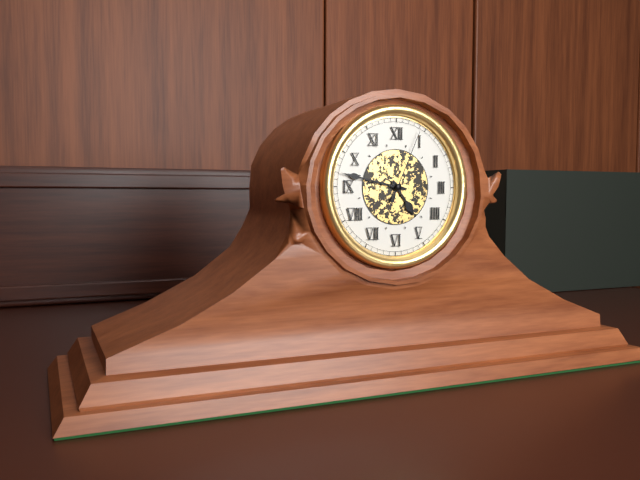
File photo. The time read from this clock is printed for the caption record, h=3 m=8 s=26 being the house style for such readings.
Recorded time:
h=4 m=47 s=4
